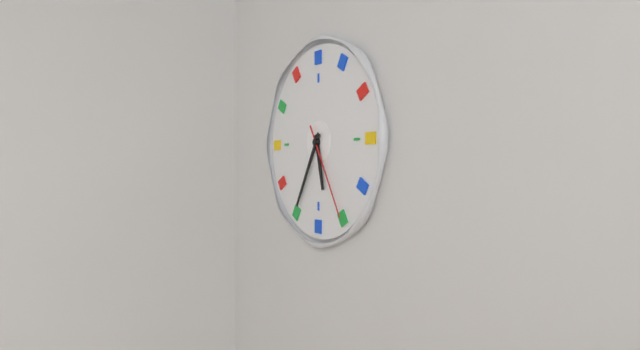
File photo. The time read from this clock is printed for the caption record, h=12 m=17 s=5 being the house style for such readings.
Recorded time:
h=5 m=35 s=25
